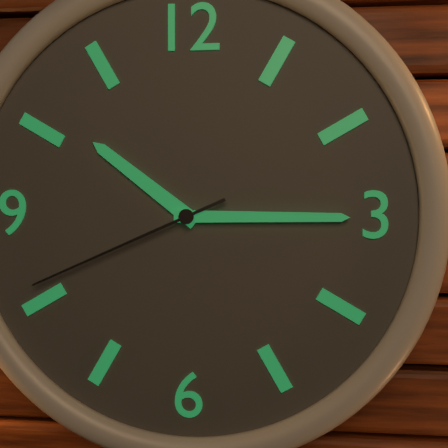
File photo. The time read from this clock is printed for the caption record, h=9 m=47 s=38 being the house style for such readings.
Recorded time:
h=10 m=15 s=41
